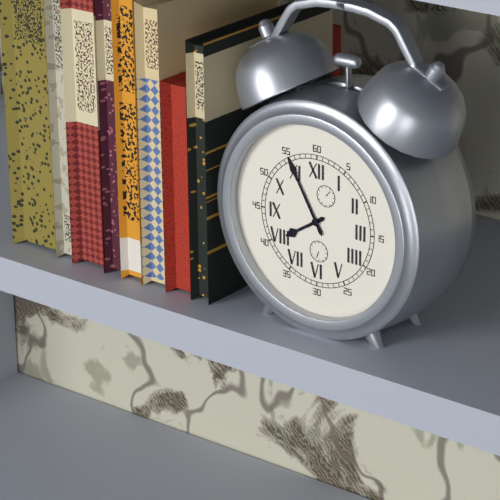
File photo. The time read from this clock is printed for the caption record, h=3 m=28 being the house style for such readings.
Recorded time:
h=7 m=55
